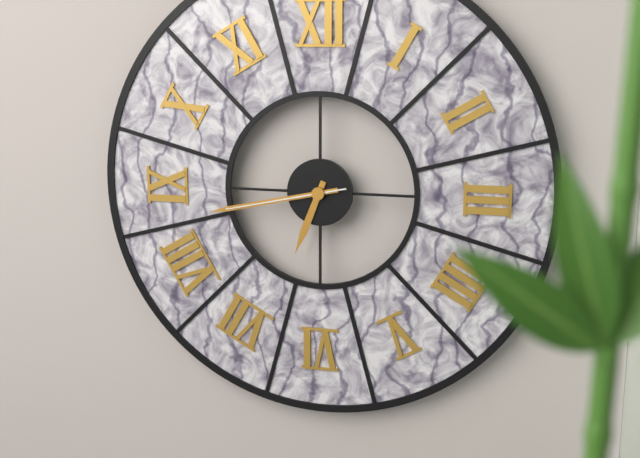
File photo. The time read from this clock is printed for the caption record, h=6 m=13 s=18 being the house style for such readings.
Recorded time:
h=6 m=43 s=43
